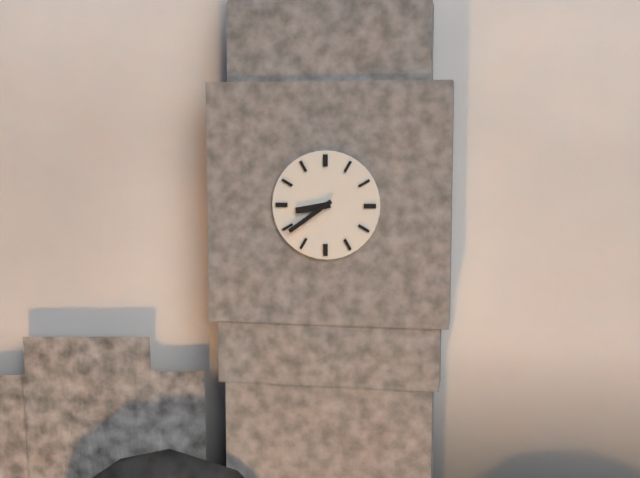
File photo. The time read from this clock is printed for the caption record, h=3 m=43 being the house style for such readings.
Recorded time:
h=8 m=39
